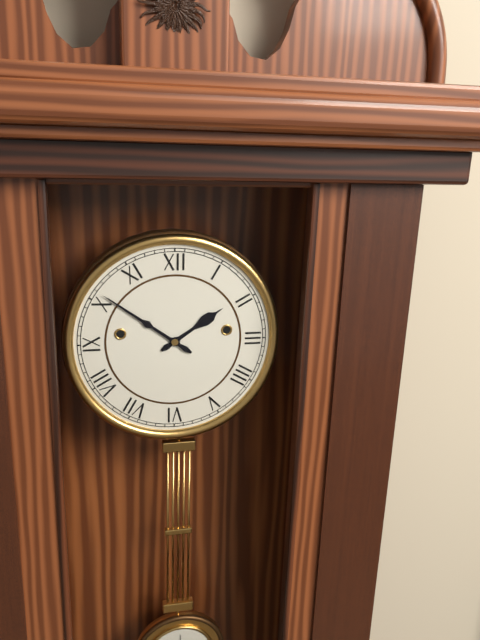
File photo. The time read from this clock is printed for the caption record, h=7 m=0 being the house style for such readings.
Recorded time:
h=1 m=51
